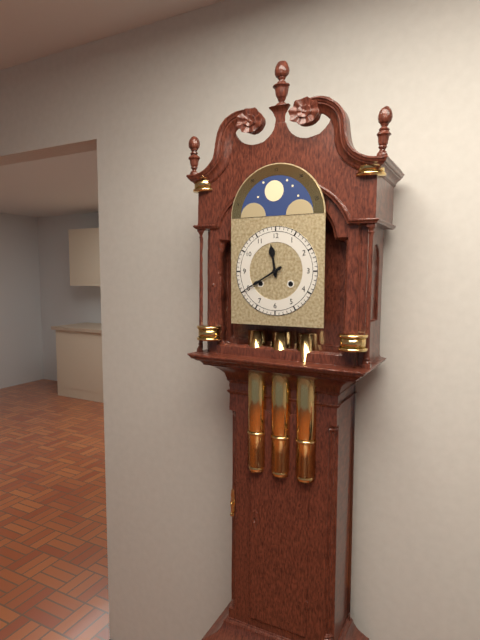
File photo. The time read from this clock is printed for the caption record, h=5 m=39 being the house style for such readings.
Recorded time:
h=11 m=40
